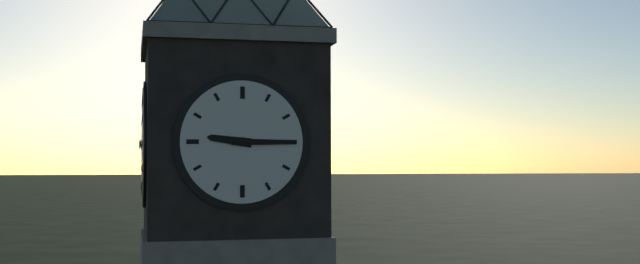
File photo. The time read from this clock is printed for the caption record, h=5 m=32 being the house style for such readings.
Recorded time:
h=9 m=15
